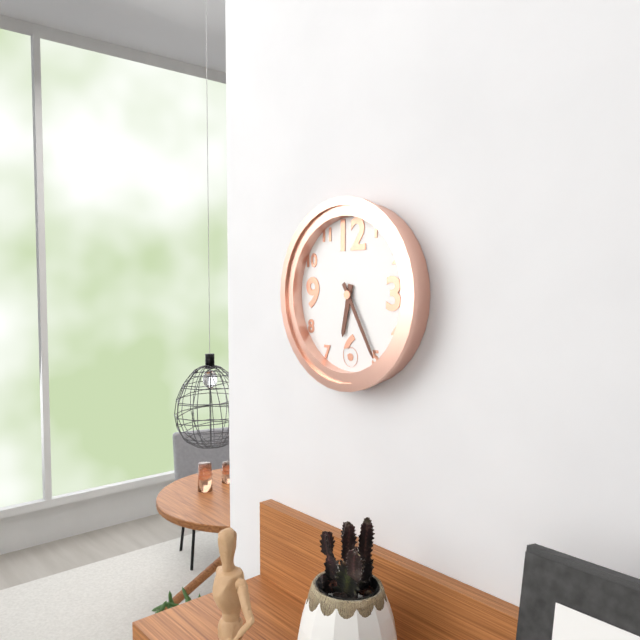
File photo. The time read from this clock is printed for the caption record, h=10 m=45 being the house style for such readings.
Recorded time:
h=6 m=25
